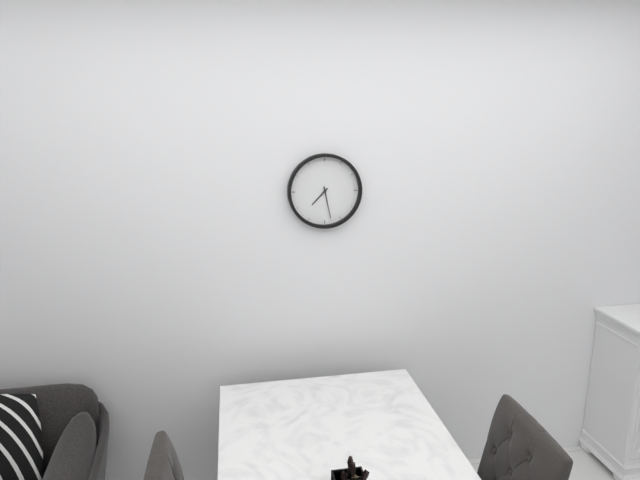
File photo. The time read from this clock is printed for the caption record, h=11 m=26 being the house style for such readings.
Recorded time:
h=7 m=28
